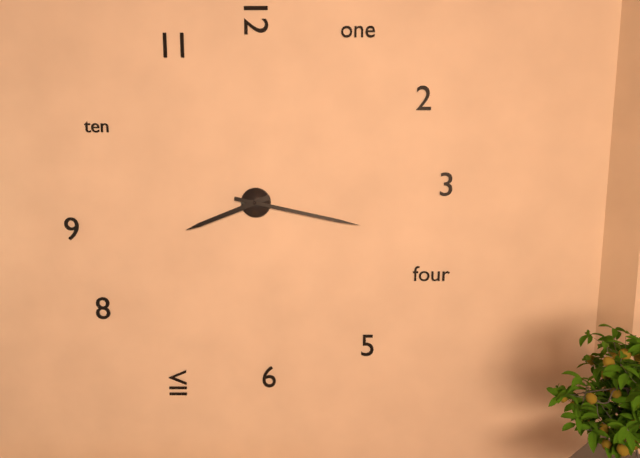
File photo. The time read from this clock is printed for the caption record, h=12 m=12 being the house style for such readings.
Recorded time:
h=8 m=17
